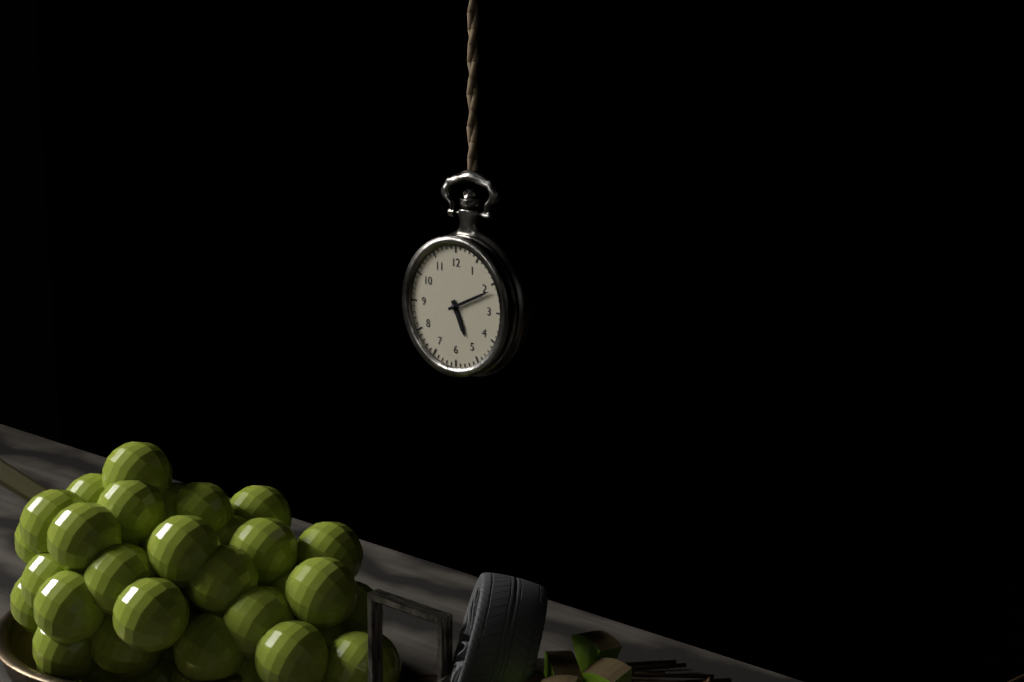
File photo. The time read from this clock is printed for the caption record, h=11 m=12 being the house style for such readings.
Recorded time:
h=5 m=11
